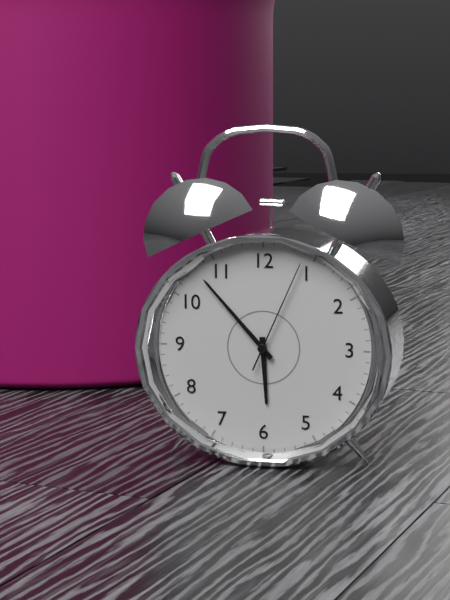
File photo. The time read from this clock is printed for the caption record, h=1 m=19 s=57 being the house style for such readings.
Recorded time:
h=5 m=53 s=4
